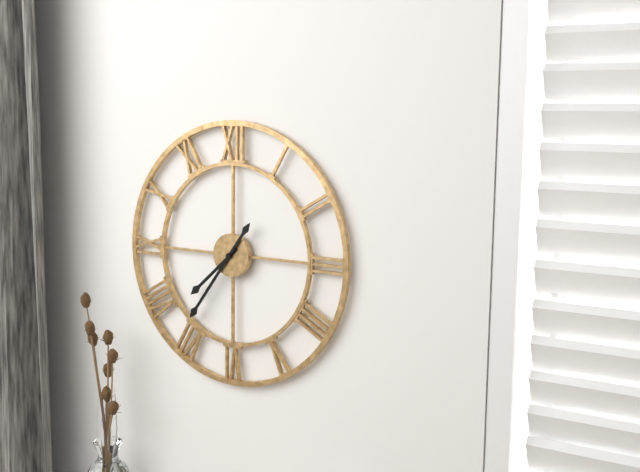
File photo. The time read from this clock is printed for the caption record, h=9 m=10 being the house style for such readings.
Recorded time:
h=7 m=36
